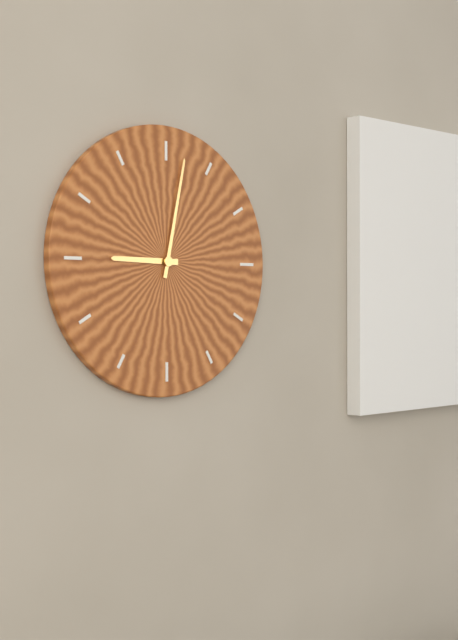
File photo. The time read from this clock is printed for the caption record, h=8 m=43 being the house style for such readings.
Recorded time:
h=9 m=2
